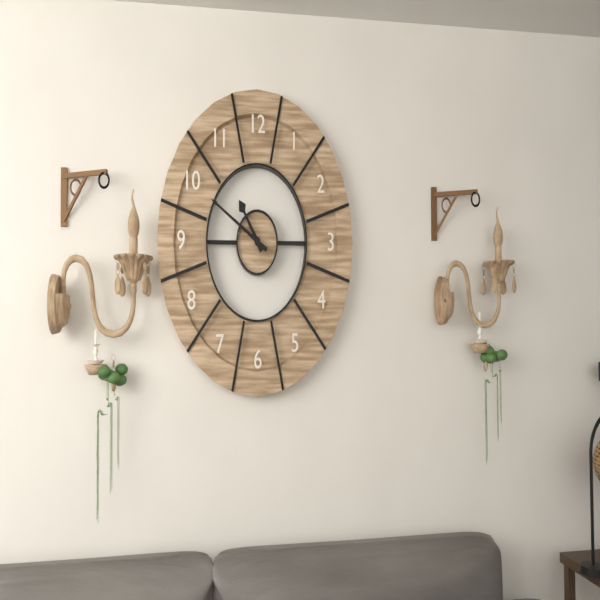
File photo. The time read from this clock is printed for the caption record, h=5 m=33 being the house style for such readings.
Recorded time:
h=10 m=50
